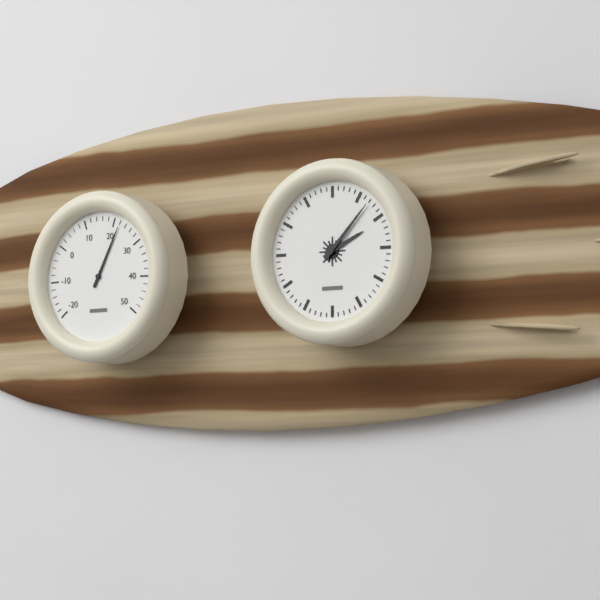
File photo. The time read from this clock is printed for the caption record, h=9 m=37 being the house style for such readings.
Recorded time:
h=2 m=7
